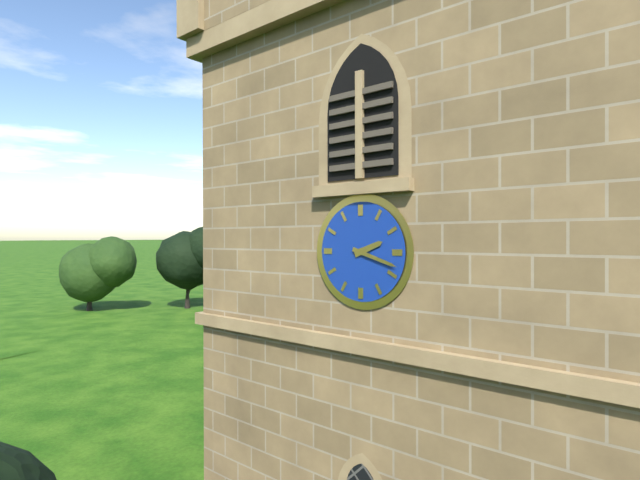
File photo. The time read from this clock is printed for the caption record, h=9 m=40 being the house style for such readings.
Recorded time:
h=2 m=18
